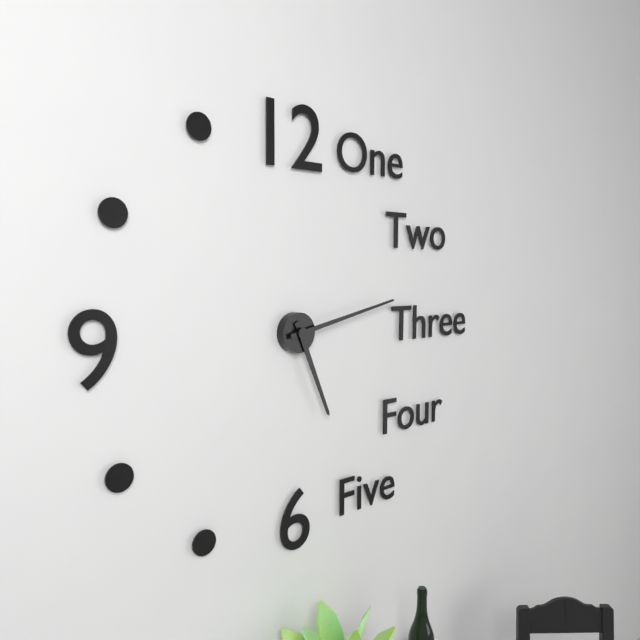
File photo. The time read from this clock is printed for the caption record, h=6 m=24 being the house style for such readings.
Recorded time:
h=5 m=13
